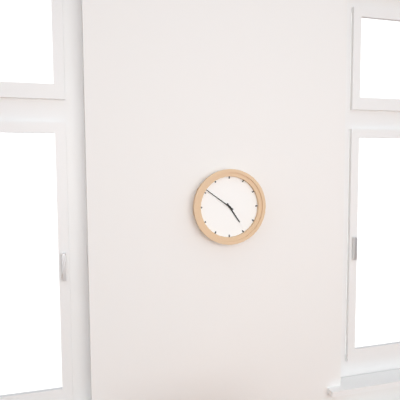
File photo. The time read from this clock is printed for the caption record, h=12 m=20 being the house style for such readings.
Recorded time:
h=4 m=51
